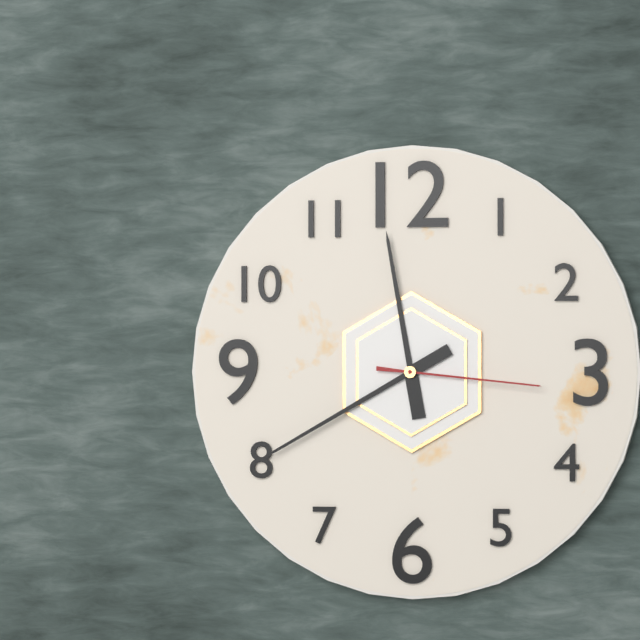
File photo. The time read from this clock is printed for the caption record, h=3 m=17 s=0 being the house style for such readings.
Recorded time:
h=11 m=40 s=16
